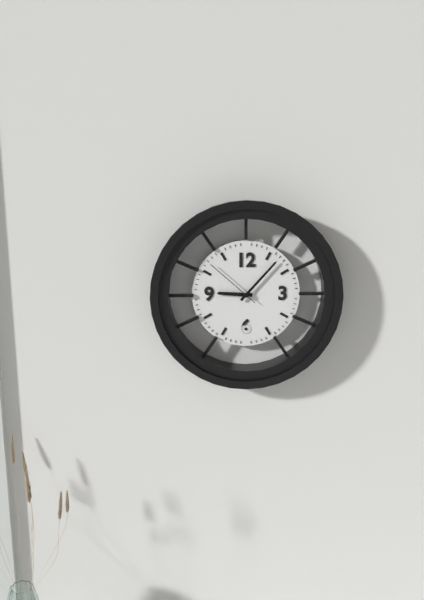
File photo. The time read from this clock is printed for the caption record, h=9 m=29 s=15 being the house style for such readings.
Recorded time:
h=9 m=7 s=52
